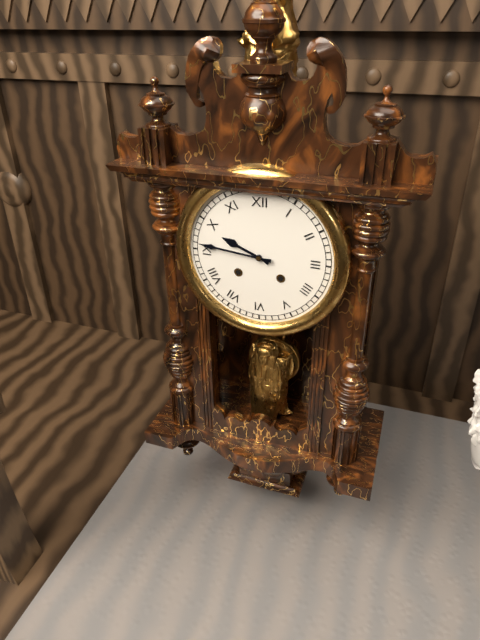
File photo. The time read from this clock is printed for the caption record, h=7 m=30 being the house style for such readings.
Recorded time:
h=9 m=46
